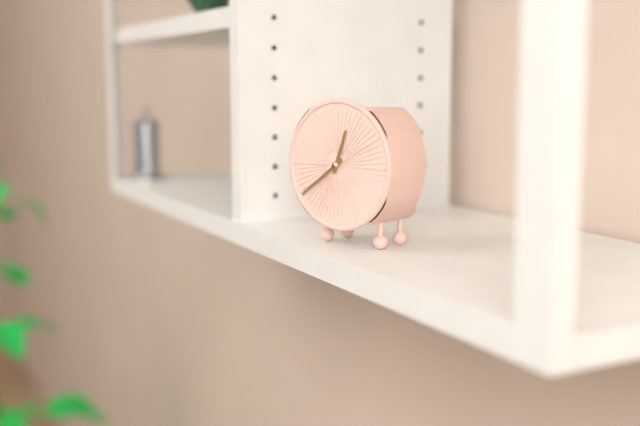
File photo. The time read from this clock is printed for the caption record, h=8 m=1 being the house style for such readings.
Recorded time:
h=12 m=39
